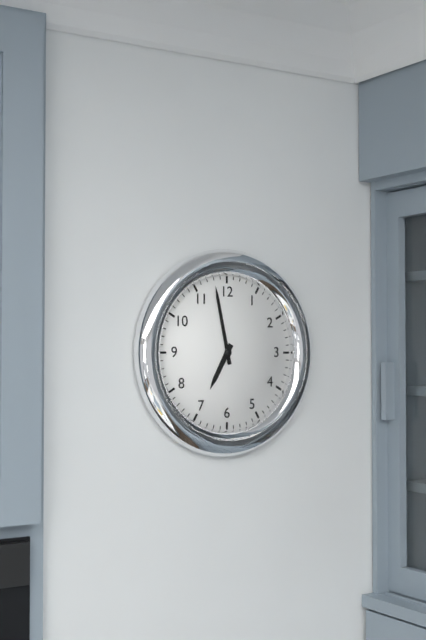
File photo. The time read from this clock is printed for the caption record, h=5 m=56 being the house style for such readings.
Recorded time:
h=6 m=58
